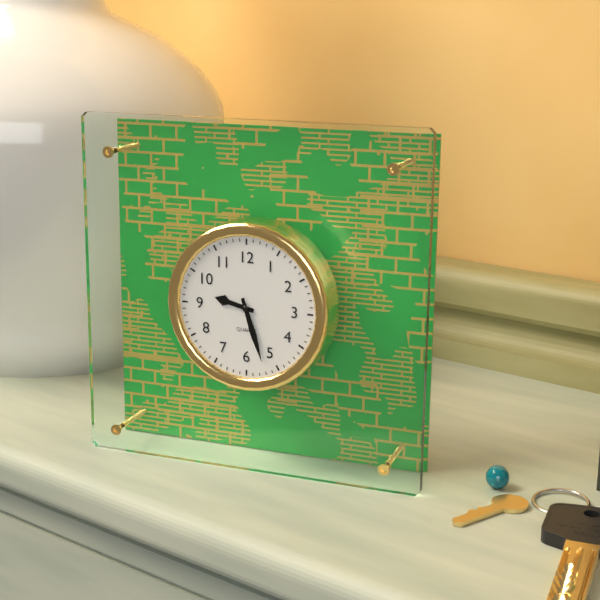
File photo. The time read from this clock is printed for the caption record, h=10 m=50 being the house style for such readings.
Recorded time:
h=9 m=27
